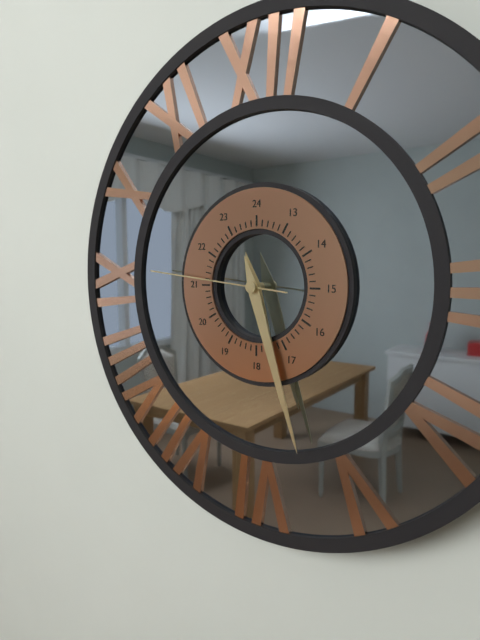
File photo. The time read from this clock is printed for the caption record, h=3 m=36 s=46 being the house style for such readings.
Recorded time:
h=5 m=27 s=46
